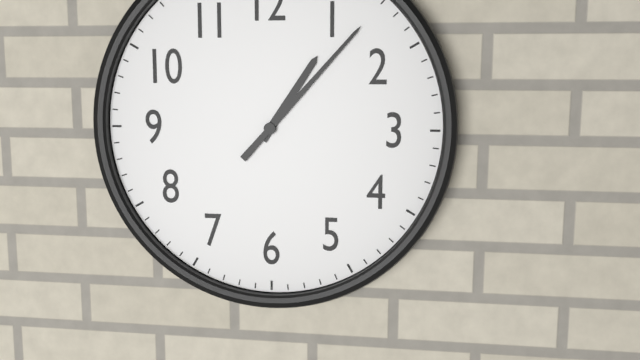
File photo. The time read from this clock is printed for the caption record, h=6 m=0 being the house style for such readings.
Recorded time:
h=1 m=7
